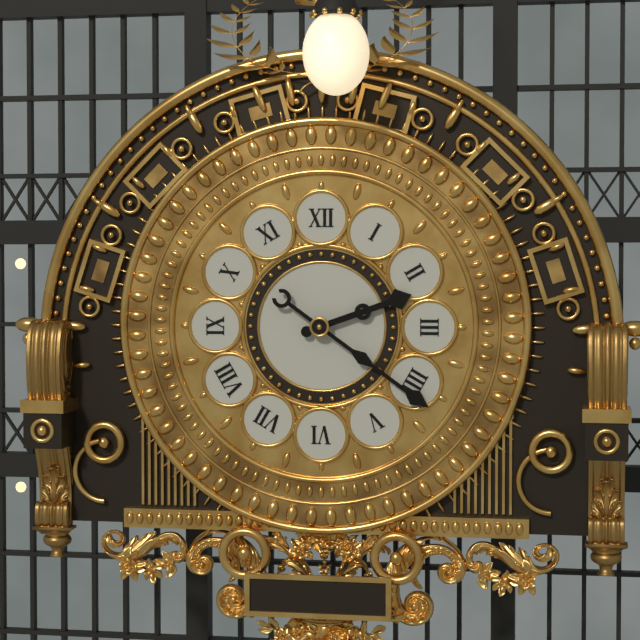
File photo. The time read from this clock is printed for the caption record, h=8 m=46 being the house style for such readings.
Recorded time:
h=2 m=21
